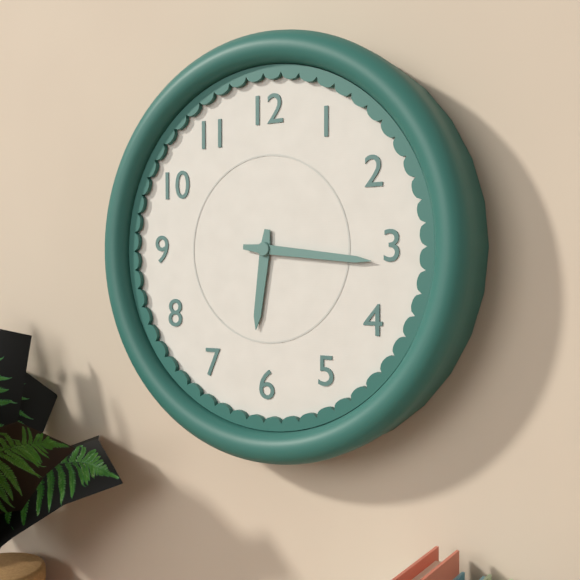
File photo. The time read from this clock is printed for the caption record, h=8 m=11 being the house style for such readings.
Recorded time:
h=6 m=16
